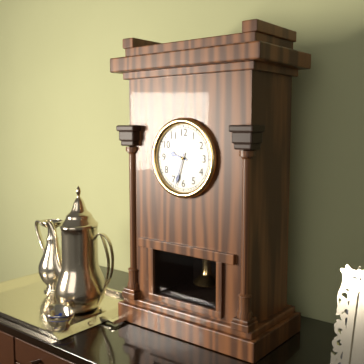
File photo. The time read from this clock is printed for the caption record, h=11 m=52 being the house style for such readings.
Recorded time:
h=9 m=33
